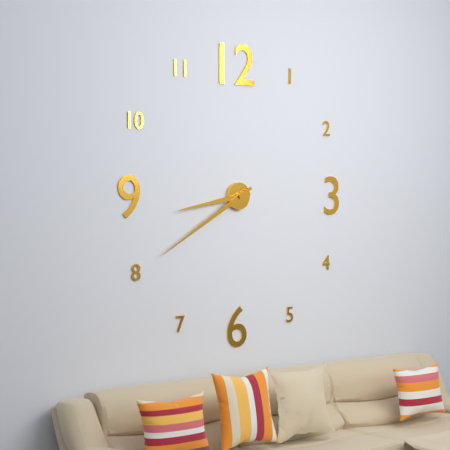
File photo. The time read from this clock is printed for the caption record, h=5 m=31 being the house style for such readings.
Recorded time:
h=8 m=40
